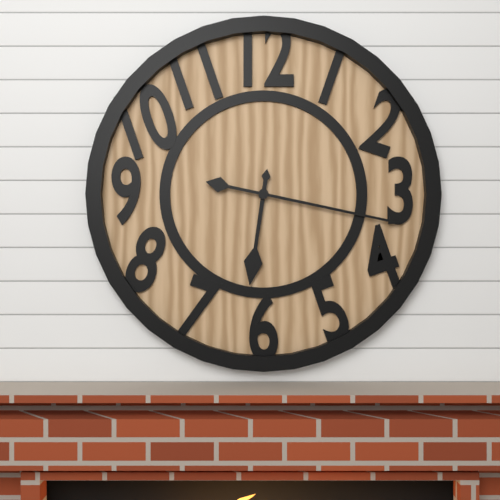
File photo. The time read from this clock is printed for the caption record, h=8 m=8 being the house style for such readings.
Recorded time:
h=6 m=17
